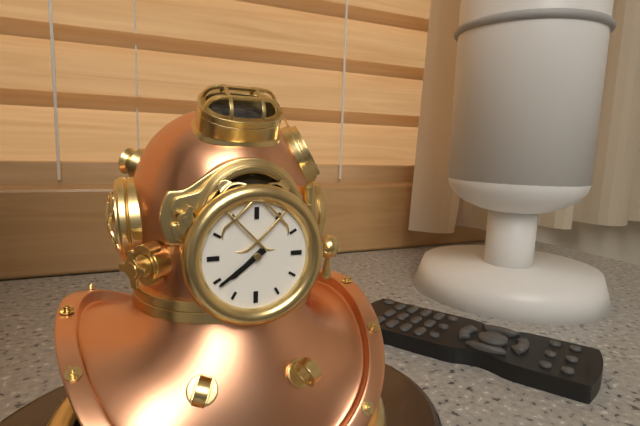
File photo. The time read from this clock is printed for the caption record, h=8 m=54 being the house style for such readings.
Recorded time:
h=7 m=39
